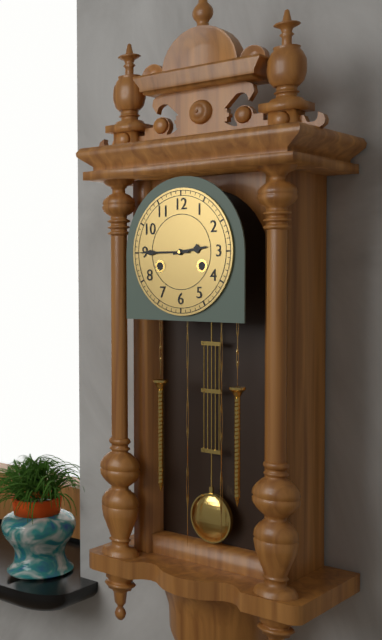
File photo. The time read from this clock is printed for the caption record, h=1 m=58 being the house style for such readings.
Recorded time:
h=2 m=45
